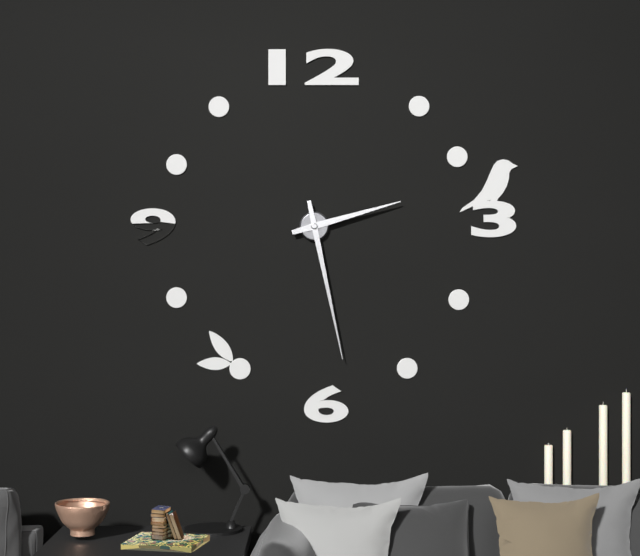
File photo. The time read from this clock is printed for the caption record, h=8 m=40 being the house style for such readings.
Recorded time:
h=2 m=28
